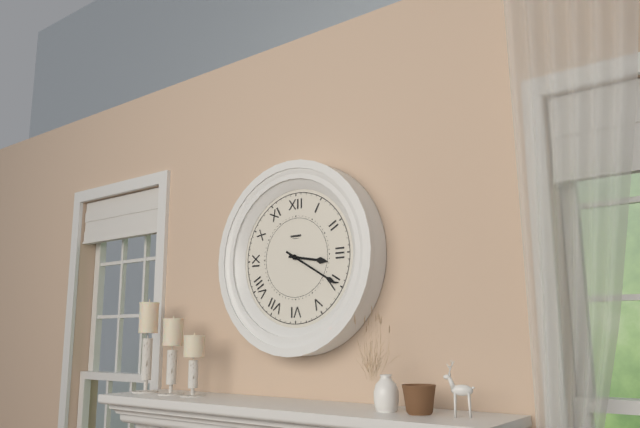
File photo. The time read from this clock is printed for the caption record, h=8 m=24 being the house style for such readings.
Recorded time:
h=3 m=20
